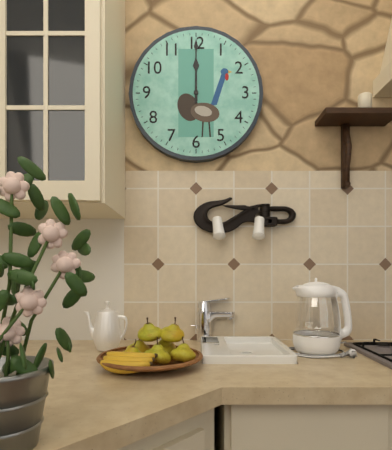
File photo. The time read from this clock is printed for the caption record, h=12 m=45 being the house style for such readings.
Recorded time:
h=12 m=0
